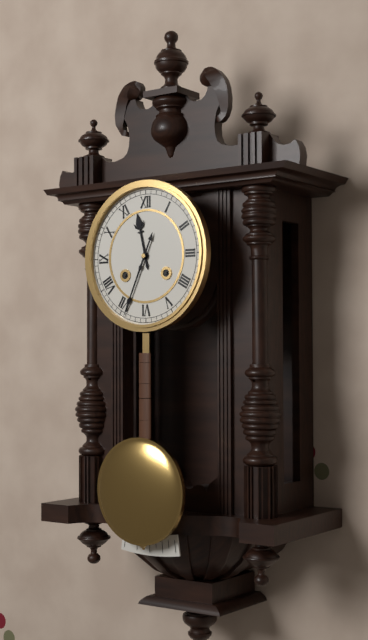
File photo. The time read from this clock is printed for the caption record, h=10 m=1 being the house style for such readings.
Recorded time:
h=11 m=34
